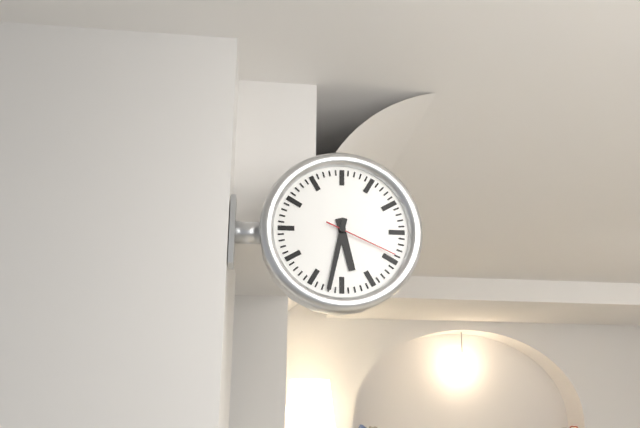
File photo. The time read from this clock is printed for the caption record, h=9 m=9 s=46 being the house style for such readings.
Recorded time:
h=5 m=32 s=19
